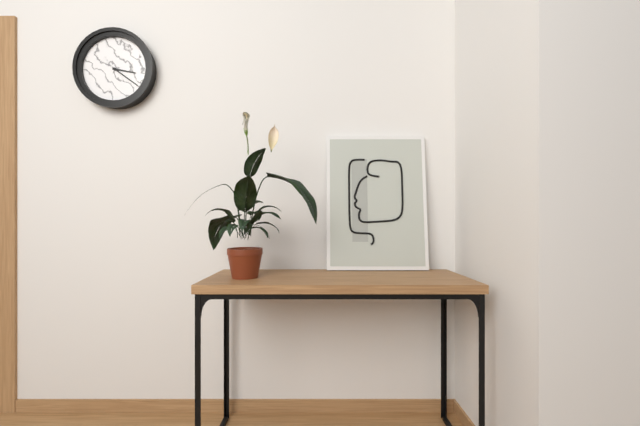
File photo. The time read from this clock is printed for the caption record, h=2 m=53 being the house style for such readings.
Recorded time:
h=3 m=21
